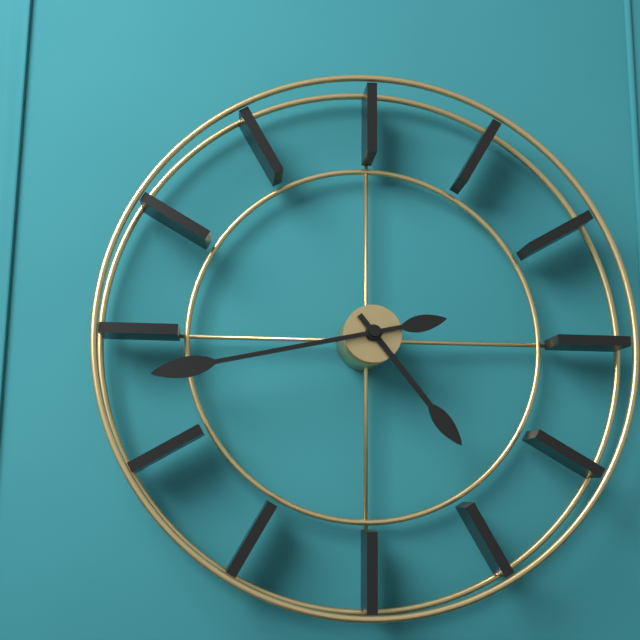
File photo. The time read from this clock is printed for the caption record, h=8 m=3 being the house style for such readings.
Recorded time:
h=4 m=43
